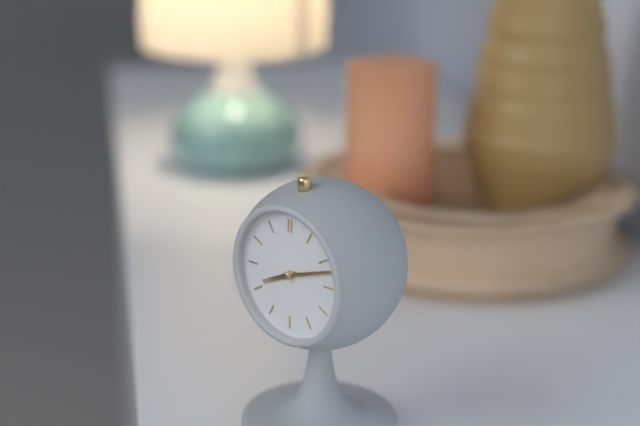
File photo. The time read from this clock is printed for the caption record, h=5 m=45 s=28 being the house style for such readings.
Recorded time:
h=8 m=12 s=12
